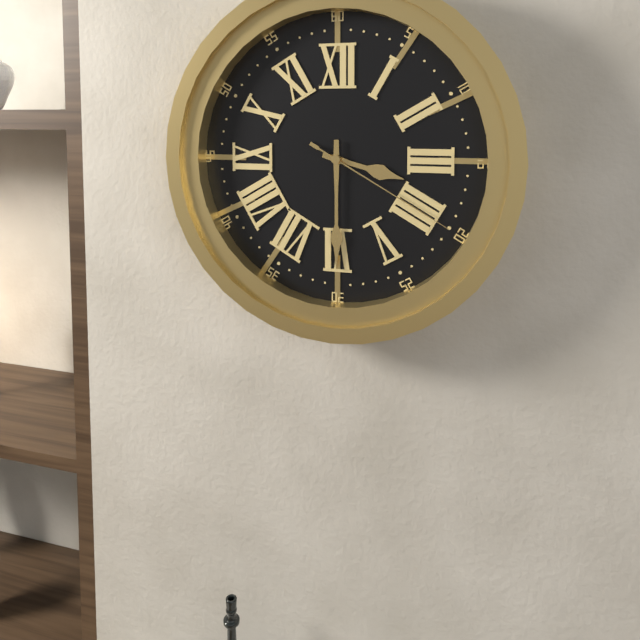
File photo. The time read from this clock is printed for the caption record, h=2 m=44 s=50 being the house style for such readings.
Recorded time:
h=3 m=30 s=20
